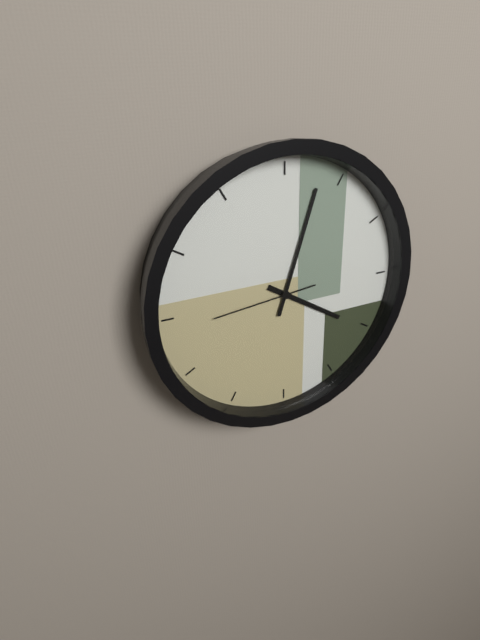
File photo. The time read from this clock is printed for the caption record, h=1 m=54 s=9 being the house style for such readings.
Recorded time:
h=4 m=3 s=44
